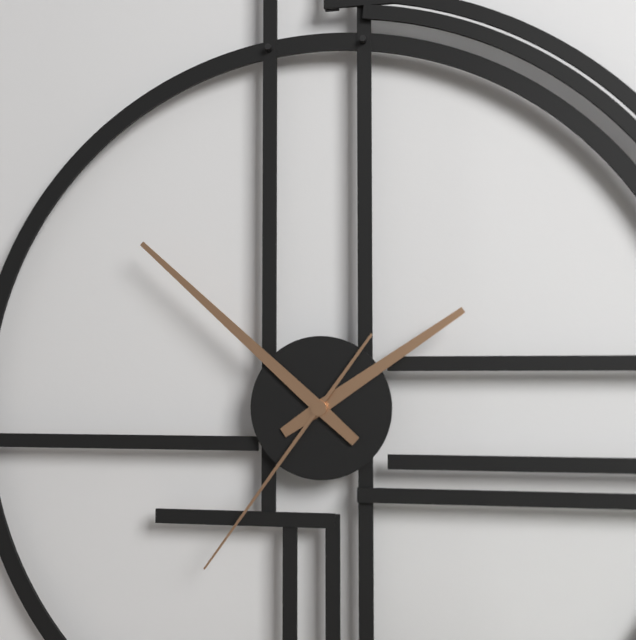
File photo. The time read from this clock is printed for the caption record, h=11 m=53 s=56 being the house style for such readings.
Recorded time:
h=1 m=52 s=36
